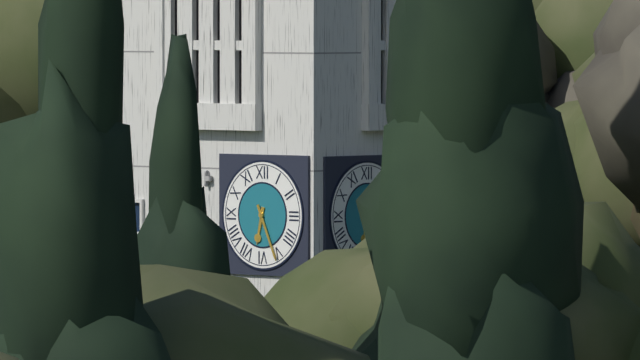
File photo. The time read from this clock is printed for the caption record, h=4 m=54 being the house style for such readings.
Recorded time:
h=6 m=26
